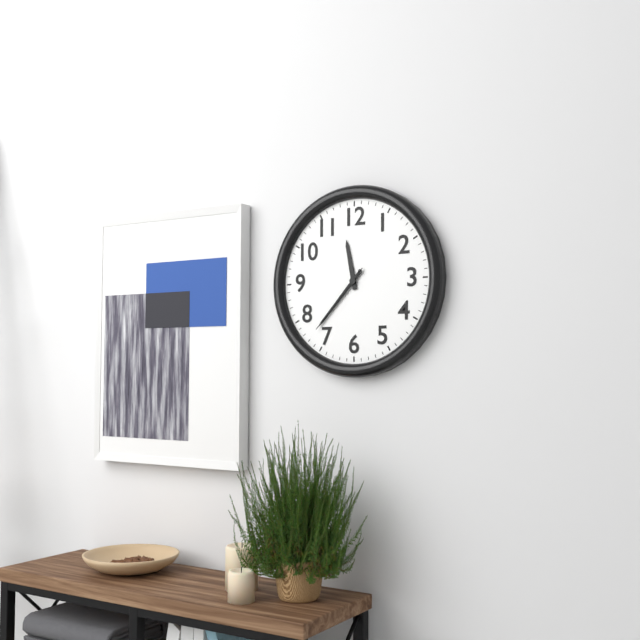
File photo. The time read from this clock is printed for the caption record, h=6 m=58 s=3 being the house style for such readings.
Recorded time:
h=11 m=37 s=37
